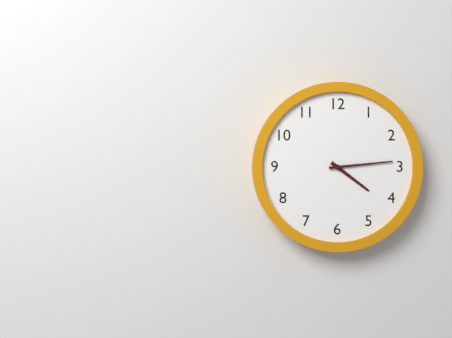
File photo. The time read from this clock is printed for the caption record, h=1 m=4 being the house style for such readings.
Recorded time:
h=4 m=14
